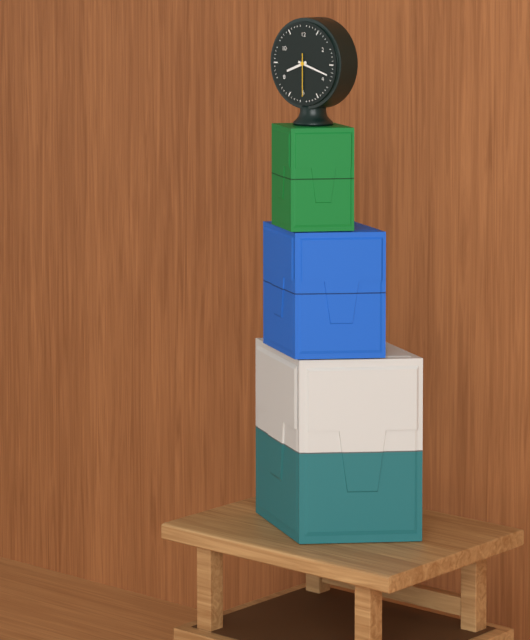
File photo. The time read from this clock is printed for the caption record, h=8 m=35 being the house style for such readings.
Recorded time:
h=8 m=18
